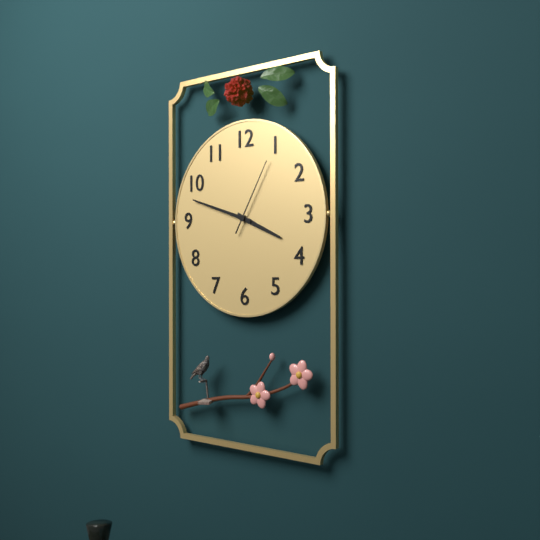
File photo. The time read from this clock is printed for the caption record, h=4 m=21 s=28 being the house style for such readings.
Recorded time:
h=3 m=48 s=5
